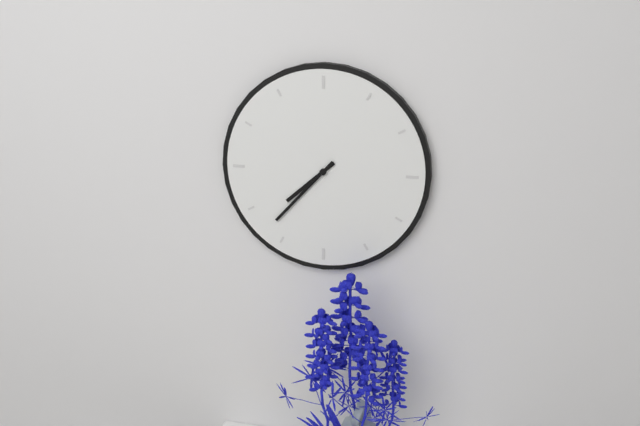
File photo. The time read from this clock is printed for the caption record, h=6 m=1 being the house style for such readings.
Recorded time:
h=7 m=37
